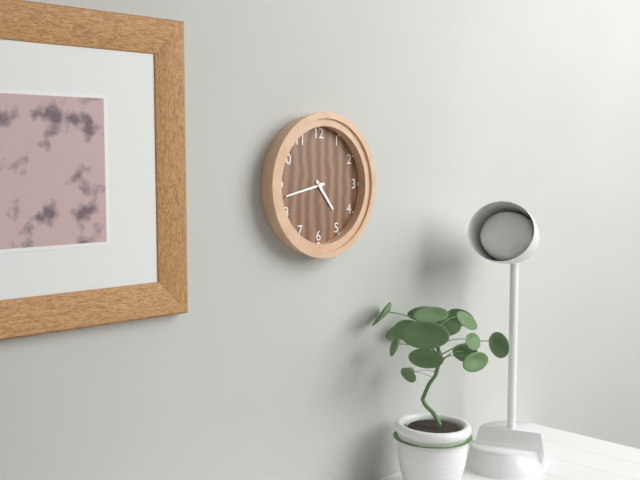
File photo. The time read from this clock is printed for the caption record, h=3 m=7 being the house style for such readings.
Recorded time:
h=4 m=43
